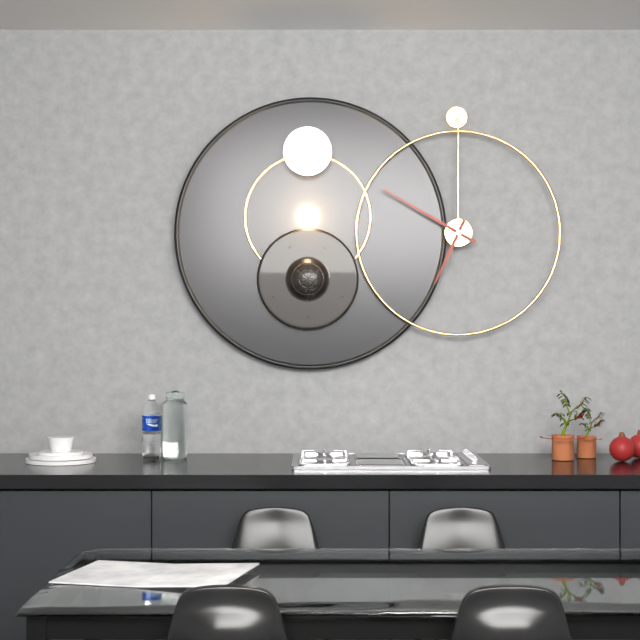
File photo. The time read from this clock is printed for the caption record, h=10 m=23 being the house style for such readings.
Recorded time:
h=6 m=50
